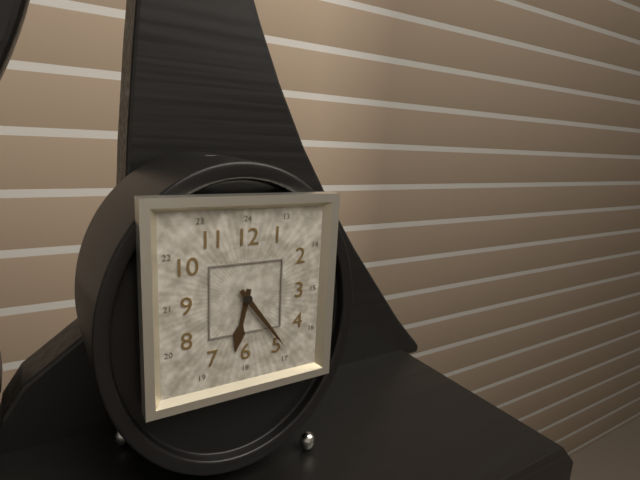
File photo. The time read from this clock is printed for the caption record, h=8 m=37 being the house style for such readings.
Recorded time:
h=6 m=24
